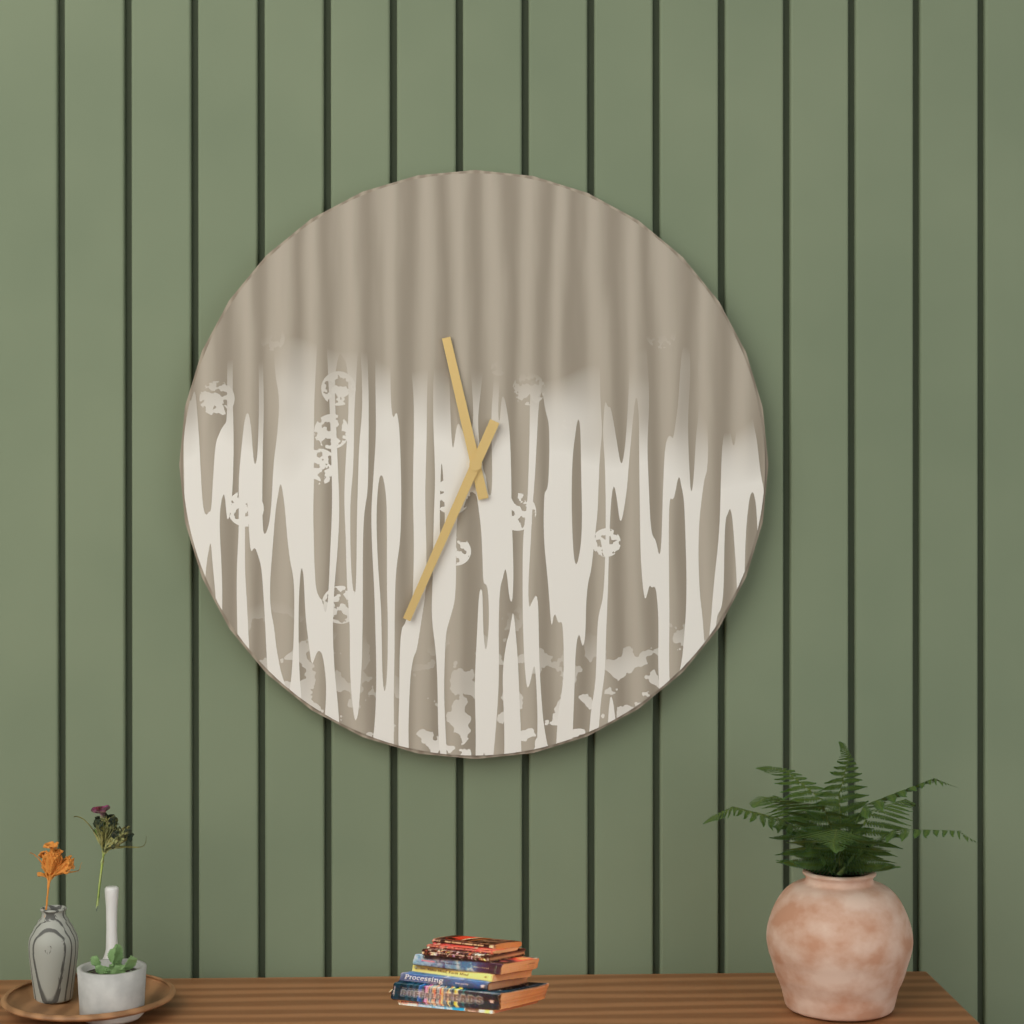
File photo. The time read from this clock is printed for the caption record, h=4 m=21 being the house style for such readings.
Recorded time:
h=11 m=34
